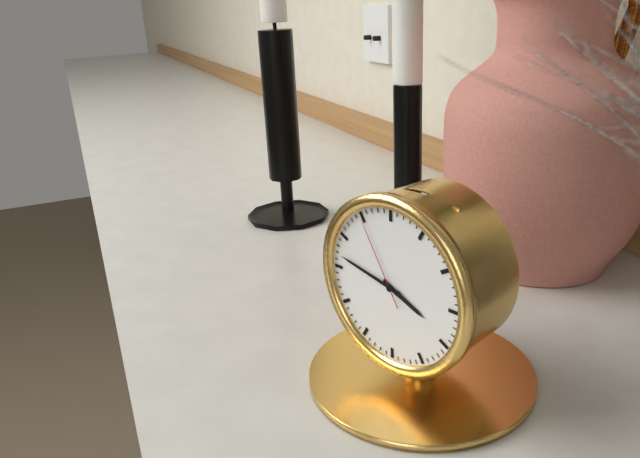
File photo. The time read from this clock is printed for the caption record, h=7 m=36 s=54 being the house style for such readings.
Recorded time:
h=3 m=47 s=55
